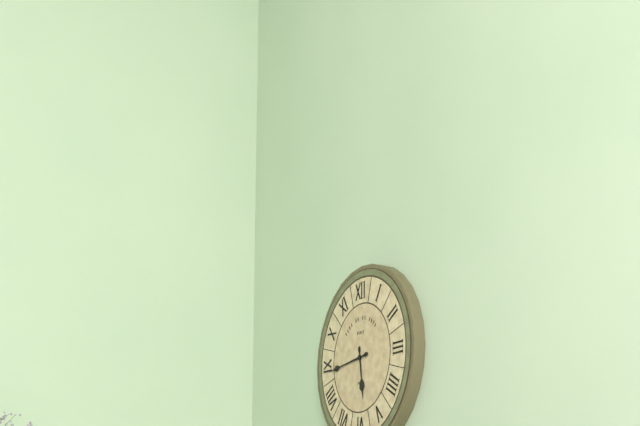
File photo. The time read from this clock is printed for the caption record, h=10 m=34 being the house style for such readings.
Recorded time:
h=5 m=44
